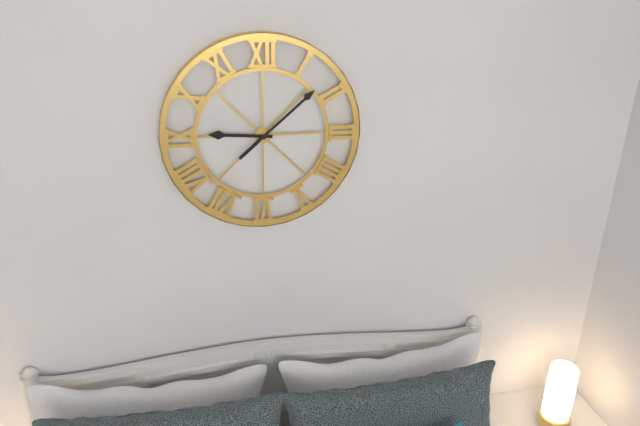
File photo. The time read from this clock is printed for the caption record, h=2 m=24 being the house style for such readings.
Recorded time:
h=9 m=8
